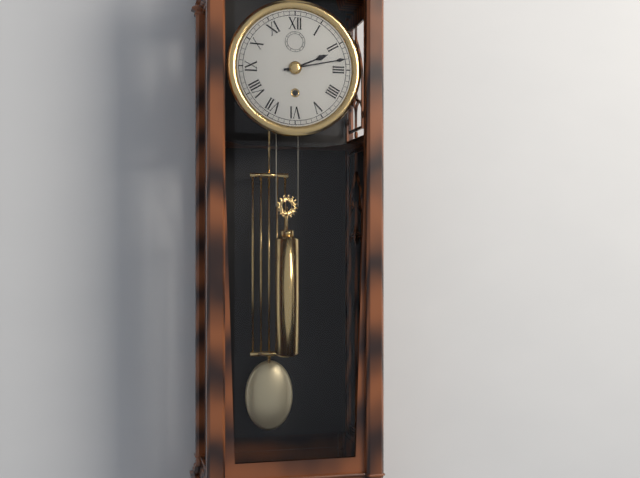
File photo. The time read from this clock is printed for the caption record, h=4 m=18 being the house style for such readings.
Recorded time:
h=2 m=13
